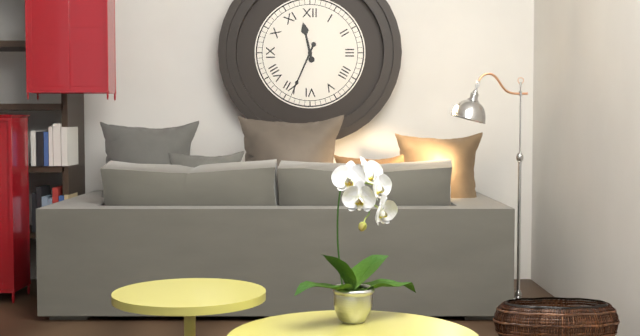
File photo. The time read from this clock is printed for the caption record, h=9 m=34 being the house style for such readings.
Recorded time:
h=11 m=34
